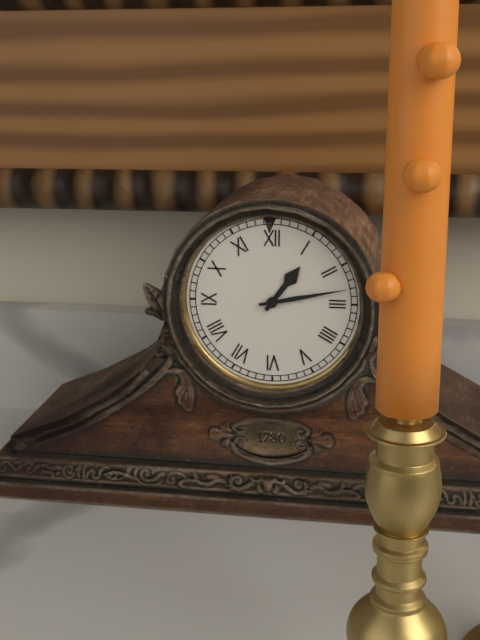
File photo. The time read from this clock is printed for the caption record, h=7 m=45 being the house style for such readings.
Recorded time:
h=1 m=13
